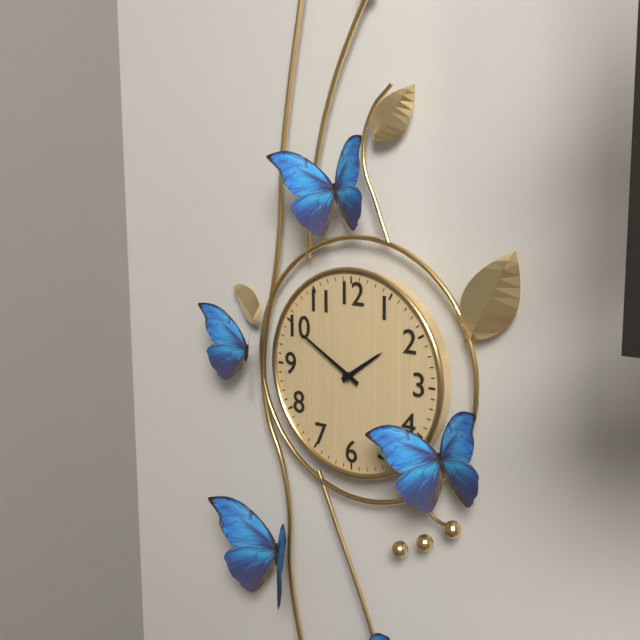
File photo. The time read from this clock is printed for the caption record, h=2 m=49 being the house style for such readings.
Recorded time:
h=1 m=50
